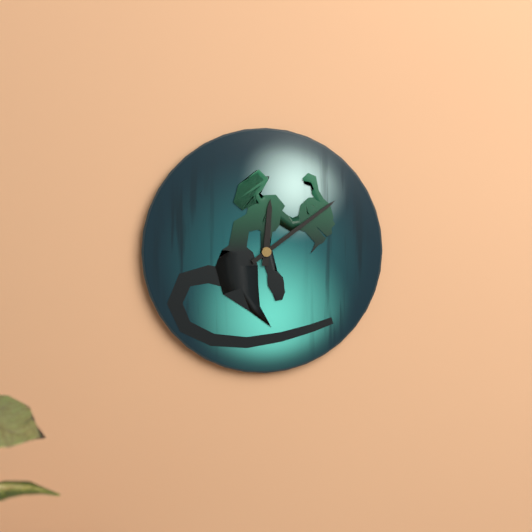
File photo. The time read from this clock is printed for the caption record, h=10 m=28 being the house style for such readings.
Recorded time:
h=12 m=9
